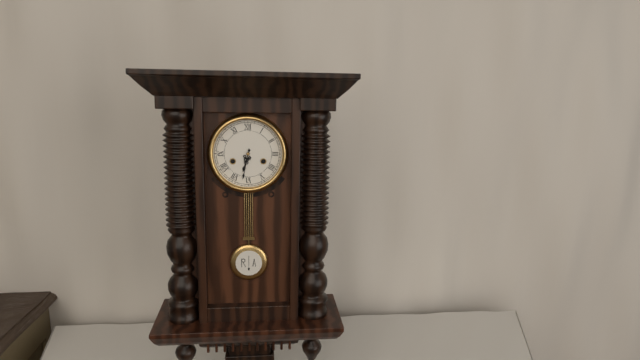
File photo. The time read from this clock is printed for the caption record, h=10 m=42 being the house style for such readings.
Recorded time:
h=6 m=32
